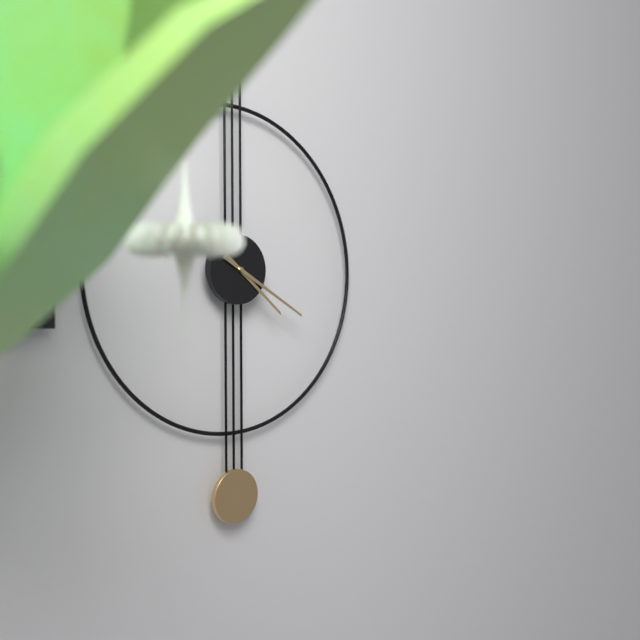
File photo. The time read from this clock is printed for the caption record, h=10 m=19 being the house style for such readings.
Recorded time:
h=4 m=20
